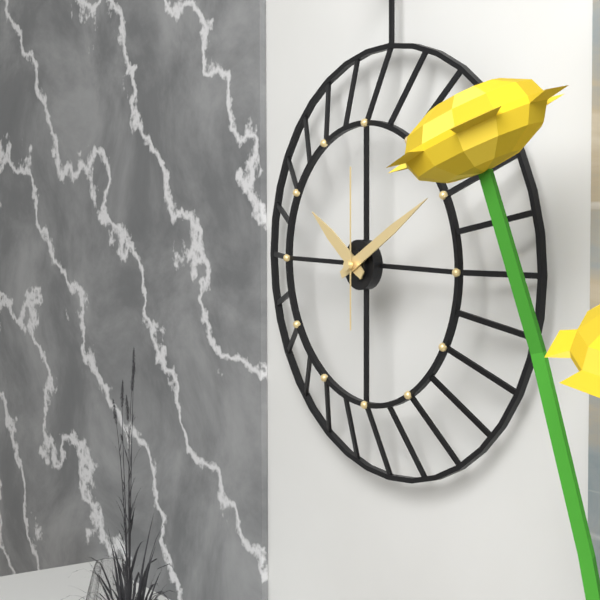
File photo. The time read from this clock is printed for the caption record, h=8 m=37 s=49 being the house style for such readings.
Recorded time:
h=10 m=10 s=0
